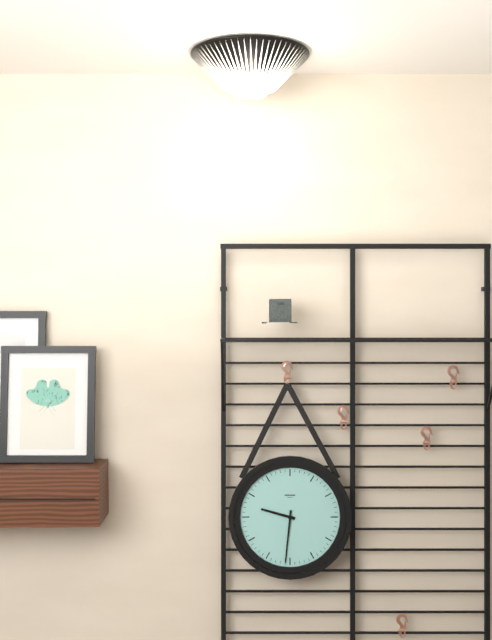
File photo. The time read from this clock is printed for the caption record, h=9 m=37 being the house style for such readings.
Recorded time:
h=9 m=31
